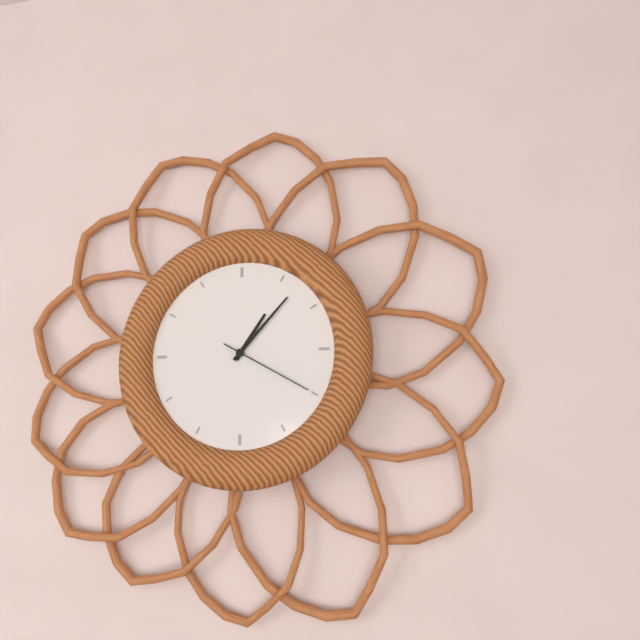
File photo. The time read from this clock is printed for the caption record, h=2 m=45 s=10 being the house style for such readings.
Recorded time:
h=1 m=7 s=20
